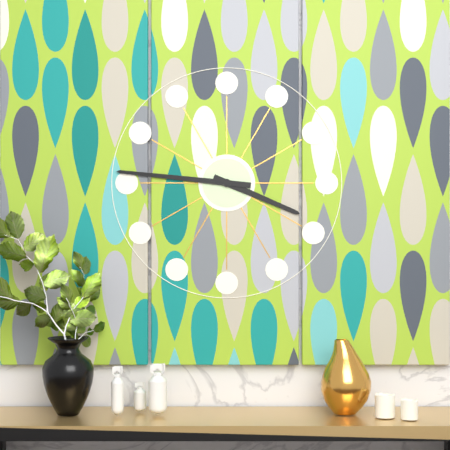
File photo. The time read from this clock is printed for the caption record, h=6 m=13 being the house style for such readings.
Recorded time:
h=3 m=46
